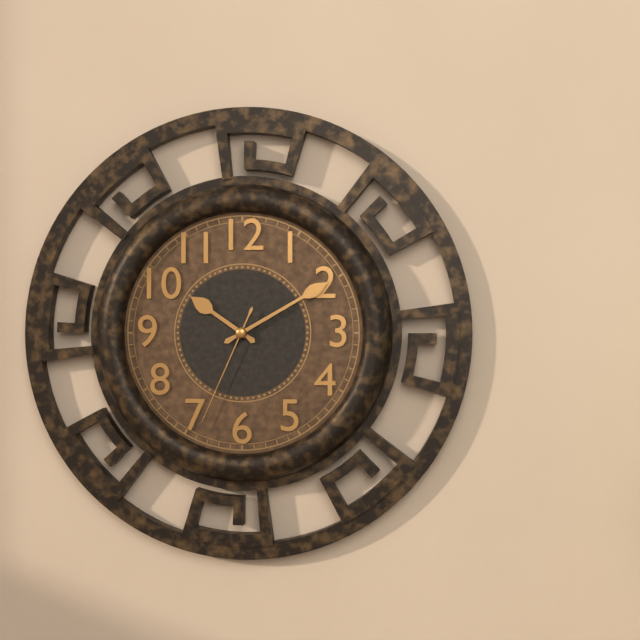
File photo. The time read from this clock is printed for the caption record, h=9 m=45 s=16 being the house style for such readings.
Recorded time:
h=10 m=10 s=34
